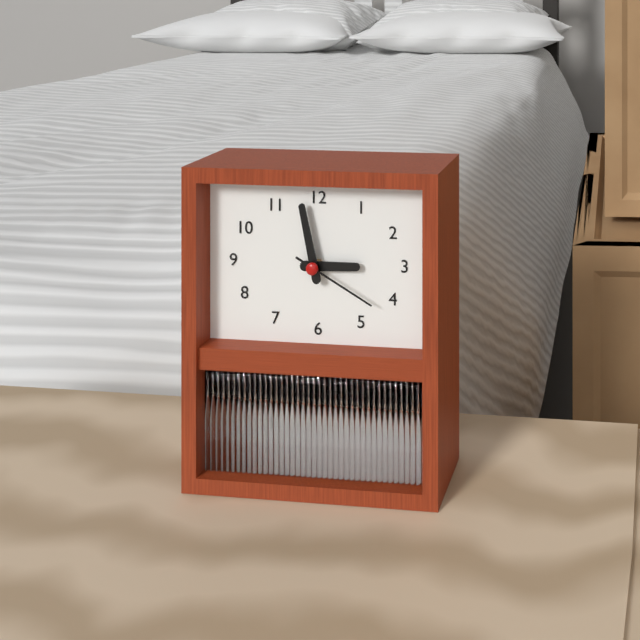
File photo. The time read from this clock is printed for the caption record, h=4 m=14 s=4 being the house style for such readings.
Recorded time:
h=2 m=58 s=20
